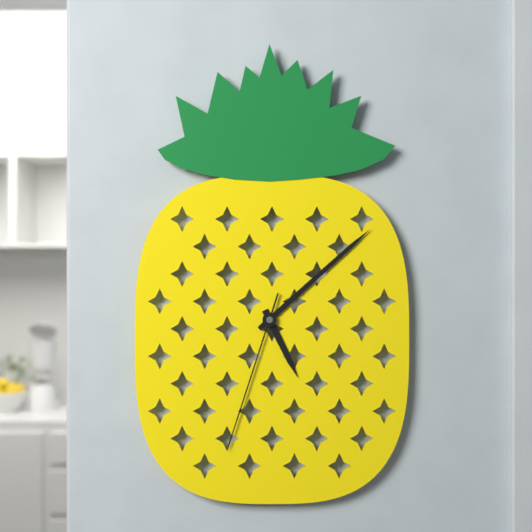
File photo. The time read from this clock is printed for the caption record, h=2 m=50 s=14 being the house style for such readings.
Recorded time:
h=5 m=8 s=33
